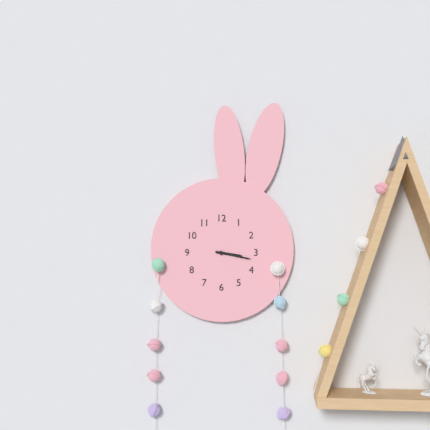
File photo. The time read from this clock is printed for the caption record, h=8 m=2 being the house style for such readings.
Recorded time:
h=3 m=17
